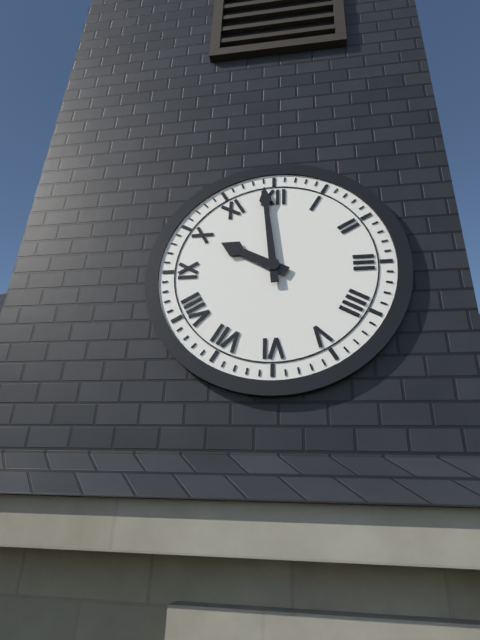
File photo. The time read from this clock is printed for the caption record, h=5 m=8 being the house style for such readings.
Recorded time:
h=9 m=59
